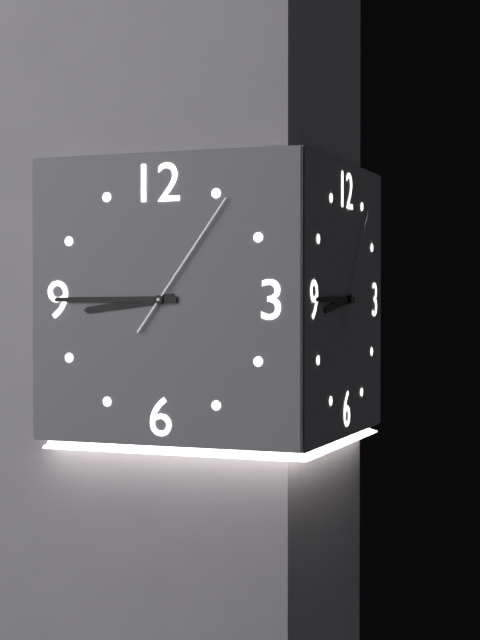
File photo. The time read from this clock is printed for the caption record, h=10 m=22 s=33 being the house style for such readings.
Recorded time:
h=8 m=45 s=6
